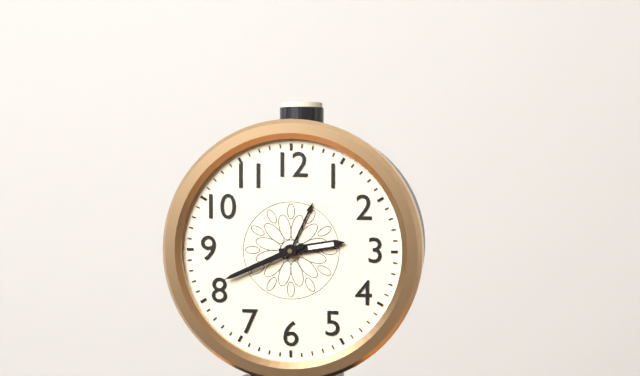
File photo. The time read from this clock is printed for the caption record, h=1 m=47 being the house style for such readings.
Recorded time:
h=2 m=41
